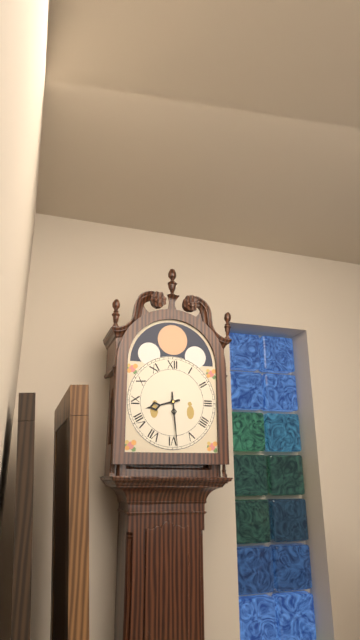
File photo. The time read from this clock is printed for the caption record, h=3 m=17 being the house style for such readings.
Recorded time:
h=8 m=29
